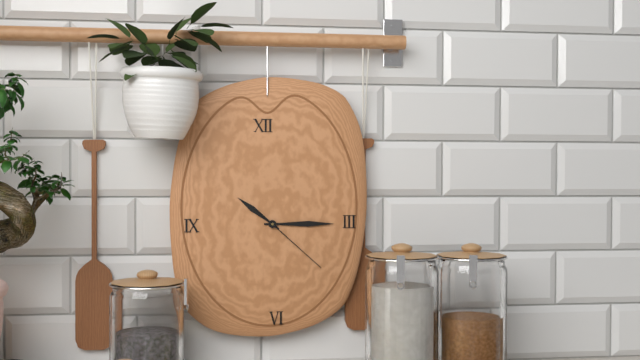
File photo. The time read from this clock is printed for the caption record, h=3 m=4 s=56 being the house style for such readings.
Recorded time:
h=10 m=15 s=22
